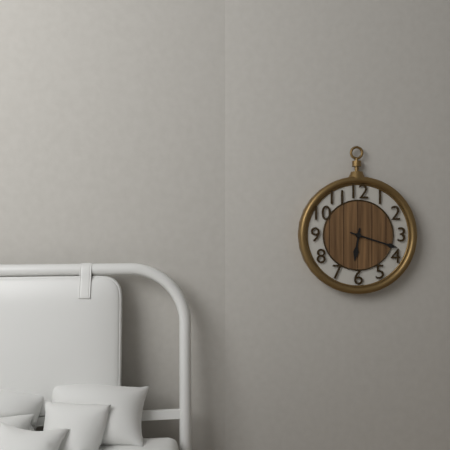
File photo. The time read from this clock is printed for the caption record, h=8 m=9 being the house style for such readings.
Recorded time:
h=6 m=18
